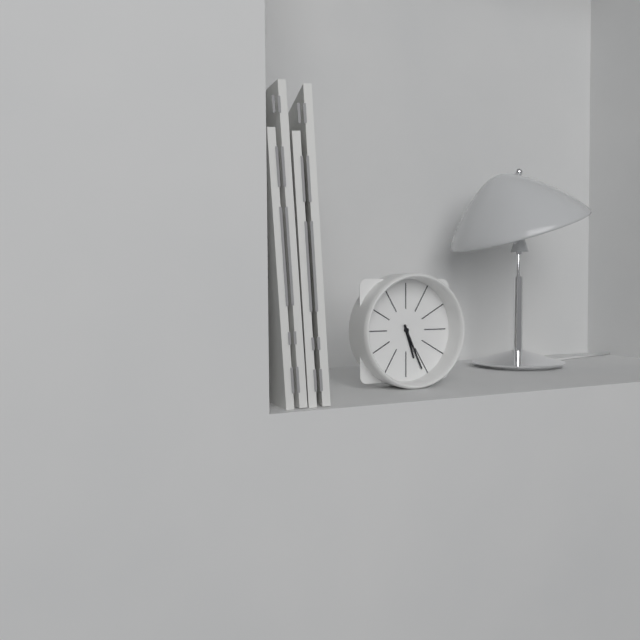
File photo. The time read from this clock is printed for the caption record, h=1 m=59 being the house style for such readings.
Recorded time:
h=5 m=26
